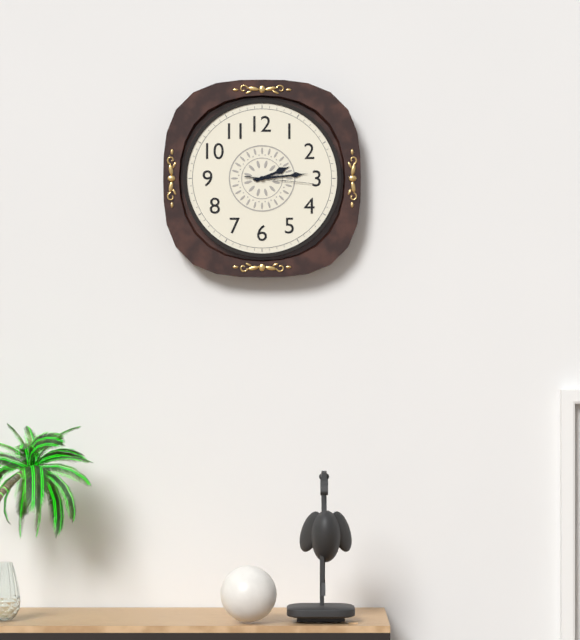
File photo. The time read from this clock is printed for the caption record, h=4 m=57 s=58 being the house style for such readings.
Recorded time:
h=2 m=14 s=16
